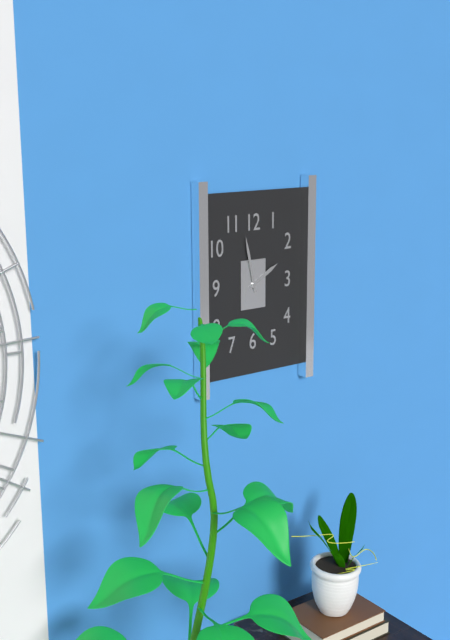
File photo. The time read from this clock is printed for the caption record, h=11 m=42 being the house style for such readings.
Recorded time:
h=1 m=58
